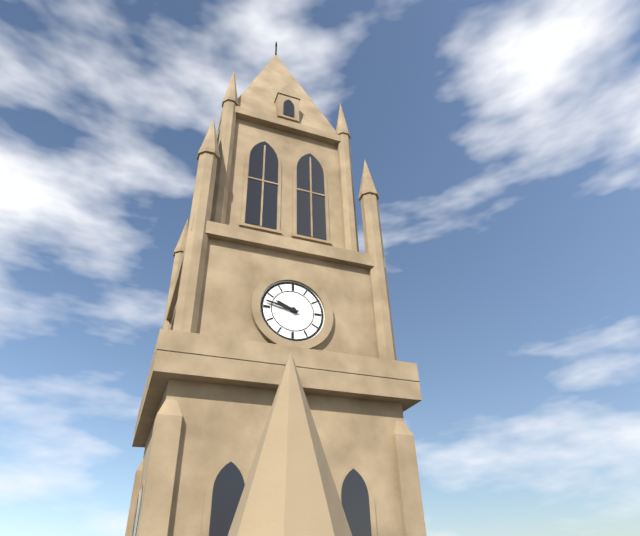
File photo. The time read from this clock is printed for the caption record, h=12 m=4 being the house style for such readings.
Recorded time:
h=9 m=47
